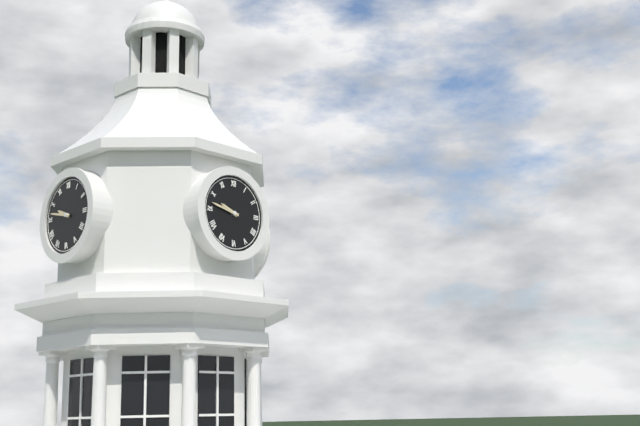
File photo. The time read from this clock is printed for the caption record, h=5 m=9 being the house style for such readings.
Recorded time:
h=9 m=47
